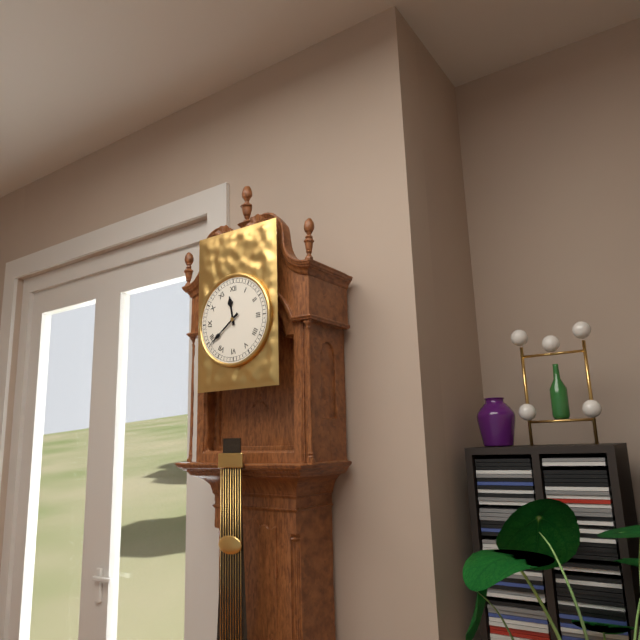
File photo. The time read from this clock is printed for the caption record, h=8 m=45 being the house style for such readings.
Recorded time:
h=11 m=39
